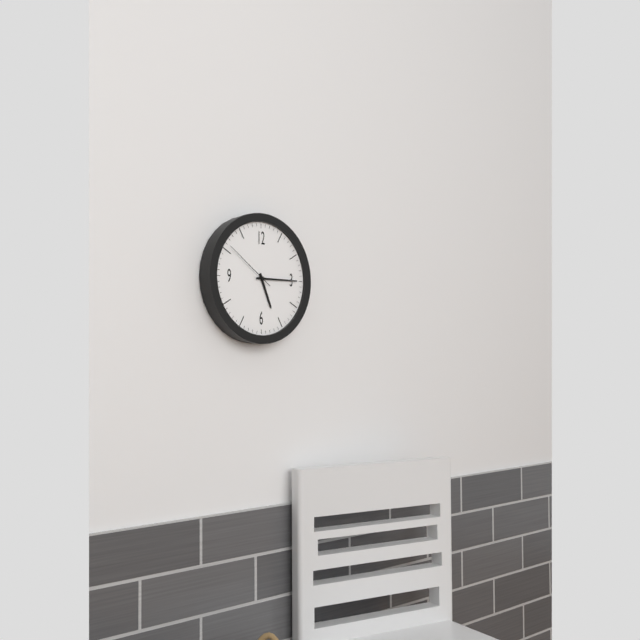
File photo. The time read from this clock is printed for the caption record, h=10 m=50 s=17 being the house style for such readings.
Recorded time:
h=5 m=15 s=51
